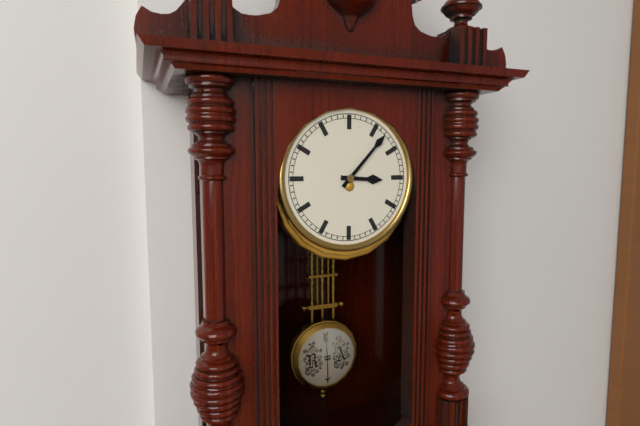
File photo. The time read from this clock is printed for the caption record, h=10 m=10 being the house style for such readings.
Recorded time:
h=3 m=7
